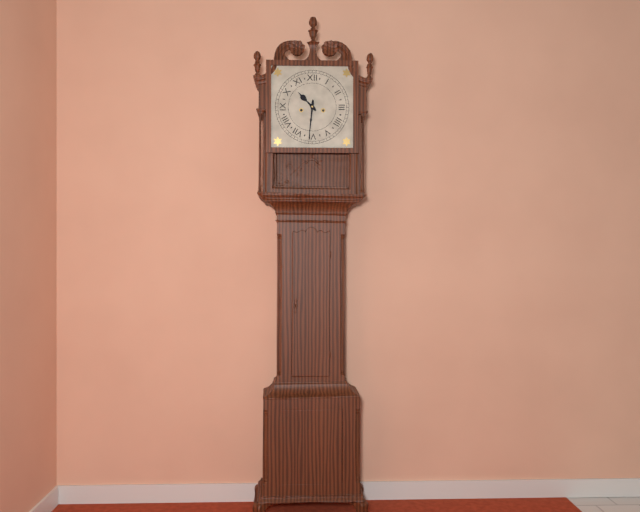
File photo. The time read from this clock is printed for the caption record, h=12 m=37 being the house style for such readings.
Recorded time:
h=10 m=31
